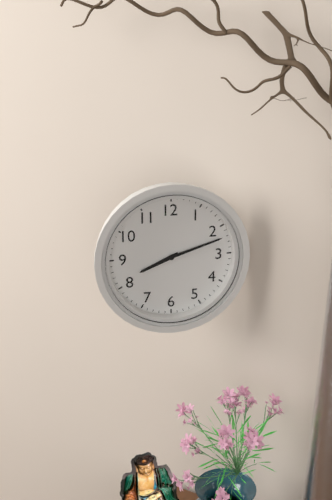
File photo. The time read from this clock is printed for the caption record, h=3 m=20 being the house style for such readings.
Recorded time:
h=8 m=12
